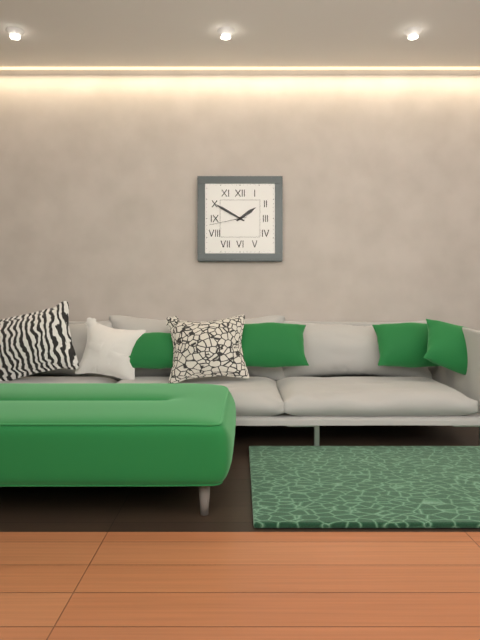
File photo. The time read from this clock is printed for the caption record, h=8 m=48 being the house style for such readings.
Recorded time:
h=1 m=50
